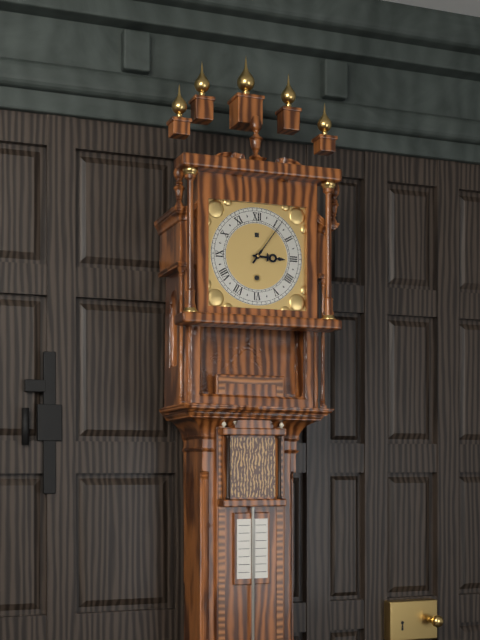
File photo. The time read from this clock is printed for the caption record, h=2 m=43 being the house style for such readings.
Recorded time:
h=3 m=6
